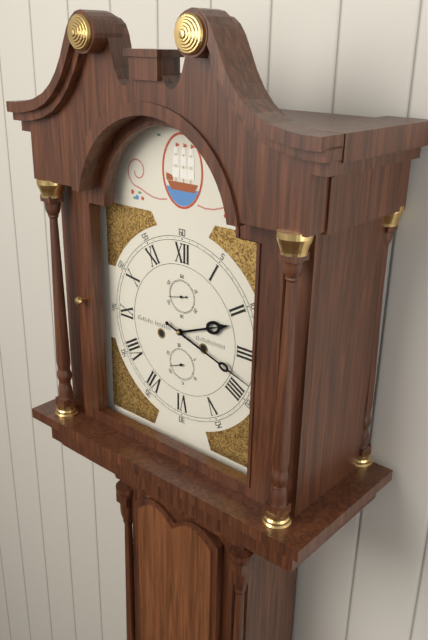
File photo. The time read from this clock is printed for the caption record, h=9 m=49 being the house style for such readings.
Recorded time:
h=2 m=18
